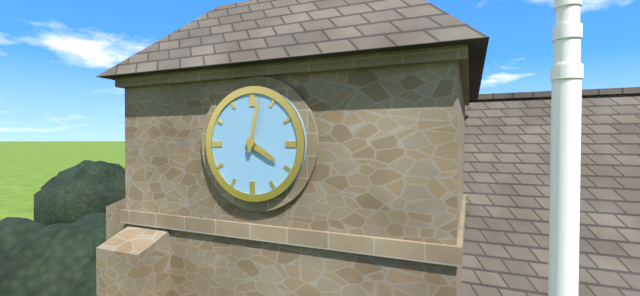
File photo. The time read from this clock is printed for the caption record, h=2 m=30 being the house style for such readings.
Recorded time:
h=4 m=2
